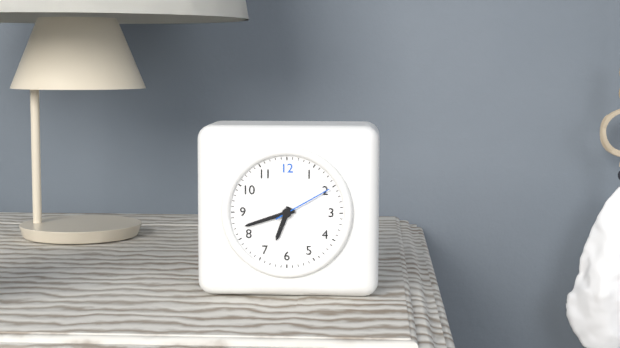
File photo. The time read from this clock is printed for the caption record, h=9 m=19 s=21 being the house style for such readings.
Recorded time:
h=6 m=42 s=10
